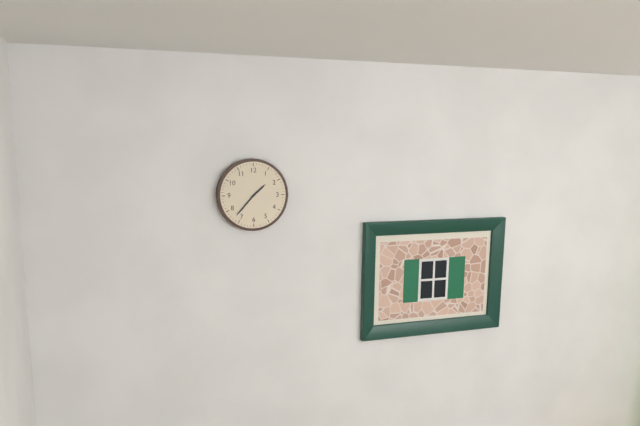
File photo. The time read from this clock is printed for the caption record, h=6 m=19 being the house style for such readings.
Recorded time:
h=1 m=37
